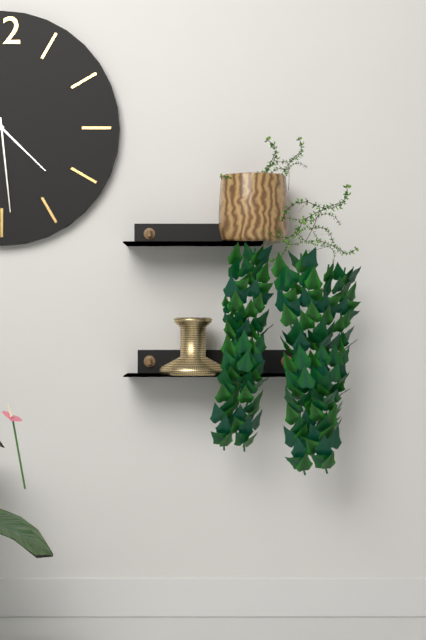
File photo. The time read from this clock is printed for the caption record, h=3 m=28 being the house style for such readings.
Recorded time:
h=4 m=29
